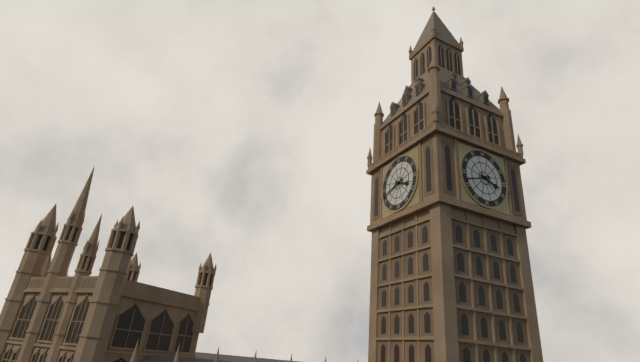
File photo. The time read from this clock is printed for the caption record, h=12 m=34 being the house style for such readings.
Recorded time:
h=3 m=42
